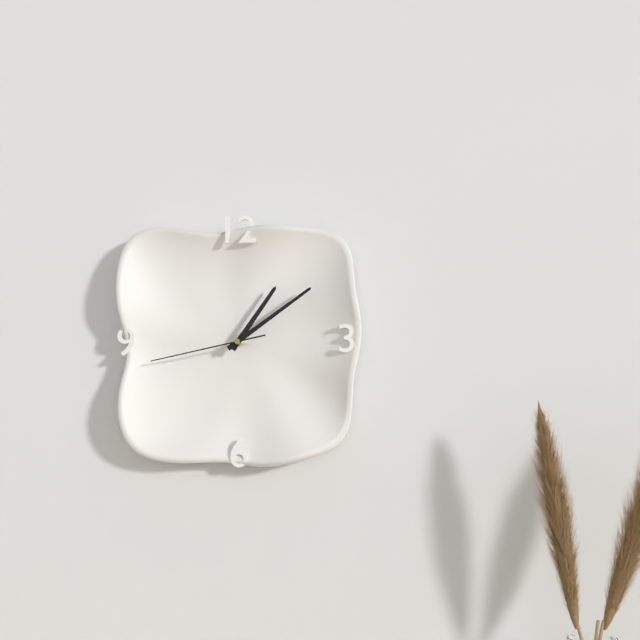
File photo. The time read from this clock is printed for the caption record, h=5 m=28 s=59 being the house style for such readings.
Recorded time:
h=1 m=9 s=43
